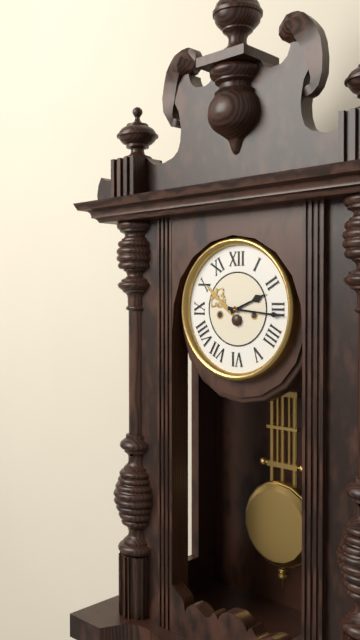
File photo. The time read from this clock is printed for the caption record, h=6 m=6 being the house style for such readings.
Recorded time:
h=2 m=16
